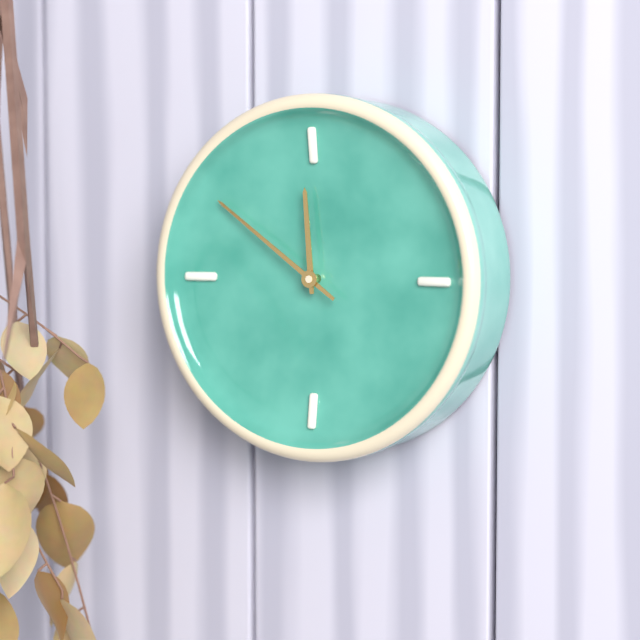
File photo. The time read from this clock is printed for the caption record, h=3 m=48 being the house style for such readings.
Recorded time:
h=11 m=51
